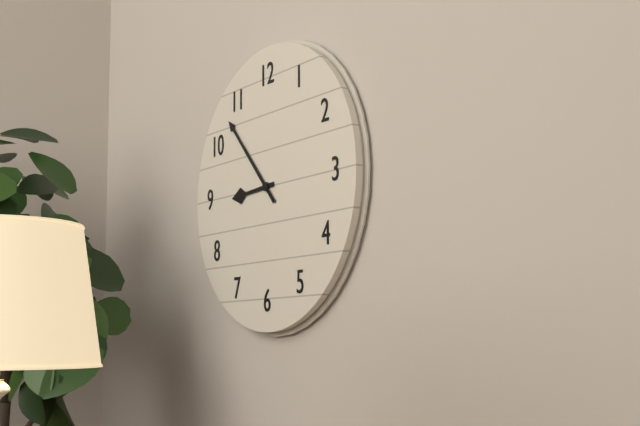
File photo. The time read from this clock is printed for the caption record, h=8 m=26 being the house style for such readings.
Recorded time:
h=8 m=53
